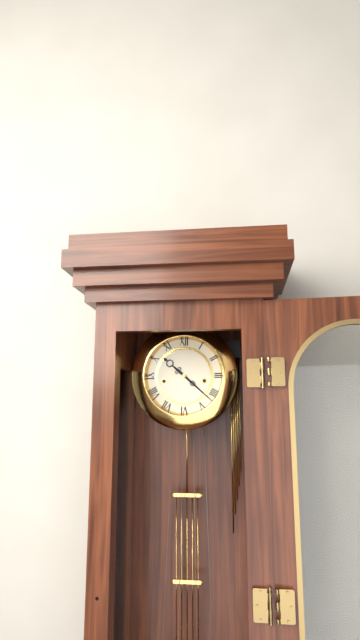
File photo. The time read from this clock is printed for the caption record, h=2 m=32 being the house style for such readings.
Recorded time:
h=10 m=22
